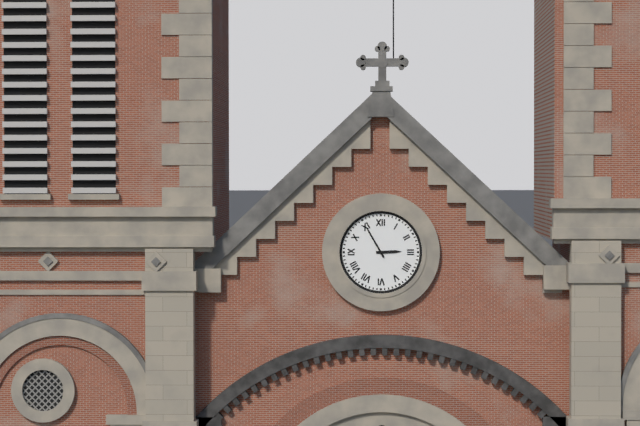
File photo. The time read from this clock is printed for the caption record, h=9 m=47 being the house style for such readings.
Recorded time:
h=2 m=55
